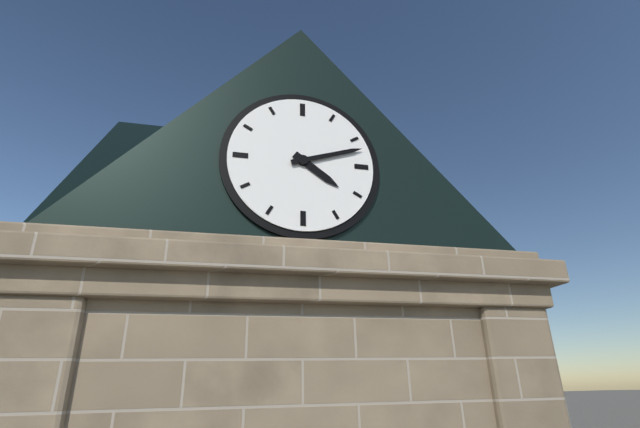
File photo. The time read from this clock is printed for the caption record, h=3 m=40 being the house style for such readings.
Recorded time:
h=4 m=12
